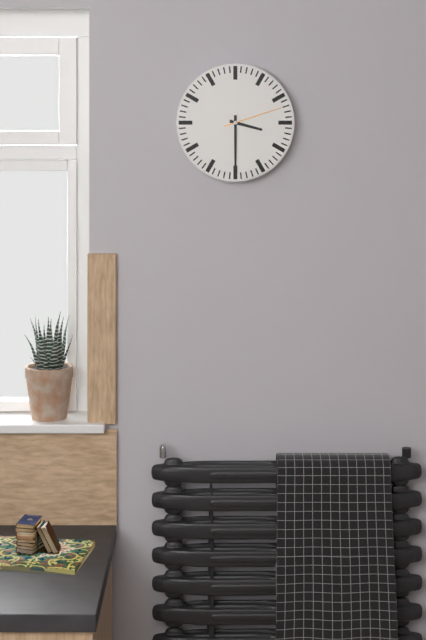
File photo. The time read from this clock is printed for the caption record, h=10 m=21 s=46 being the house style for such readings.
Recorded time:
h=3 m=30 s=12
